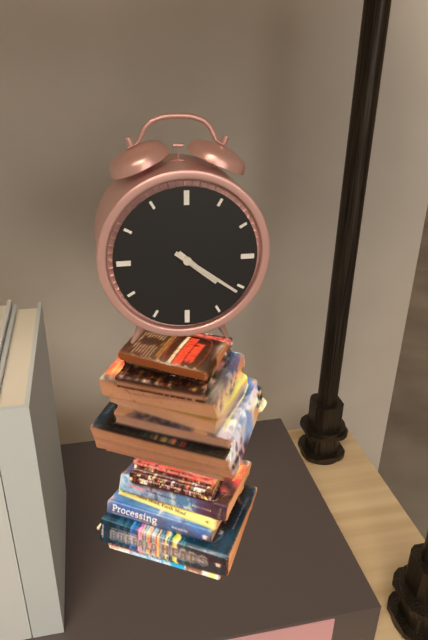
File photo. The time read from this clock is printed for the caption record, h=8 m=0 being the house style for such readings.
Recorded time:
h=4 m=21
